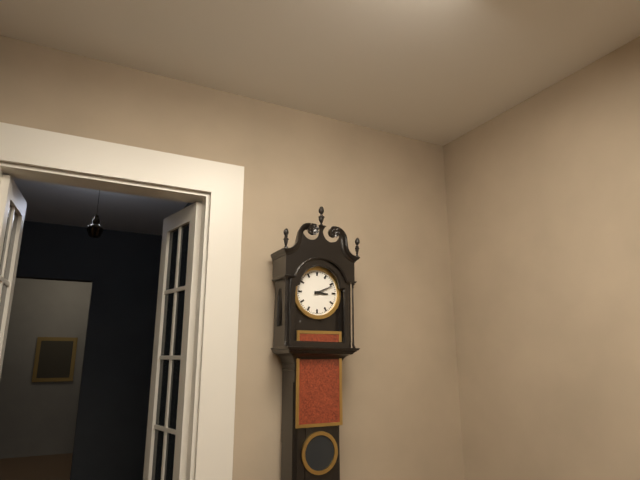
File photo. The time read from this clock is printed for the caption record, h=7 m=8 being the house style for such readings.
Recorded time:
h=3 m=11
